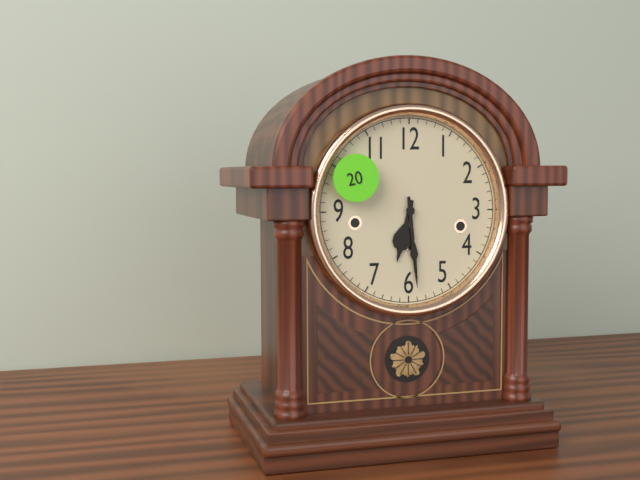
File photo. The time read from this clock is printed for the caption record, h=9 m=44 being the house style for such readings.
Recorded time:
h=6 m=29
